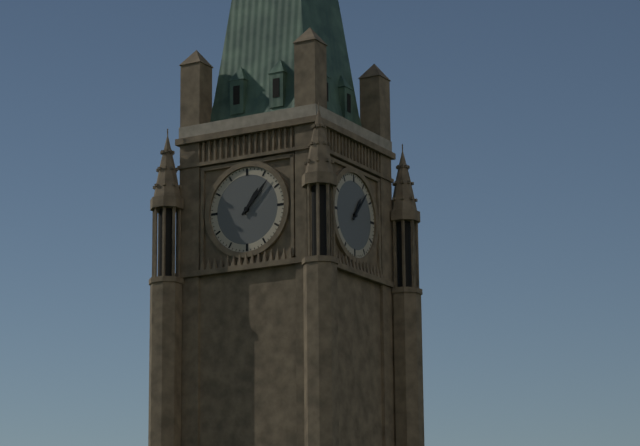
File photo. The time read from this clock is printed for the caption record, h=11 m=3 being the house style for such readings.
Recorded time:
h=1 m=7
